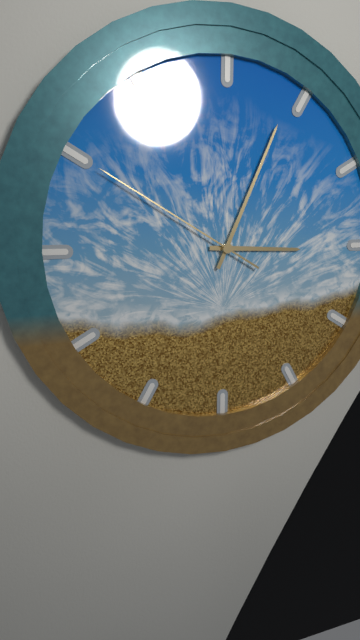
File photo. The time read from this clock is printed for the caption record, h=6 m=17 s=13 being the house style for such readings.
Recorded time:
h=3 m=4 s=50
